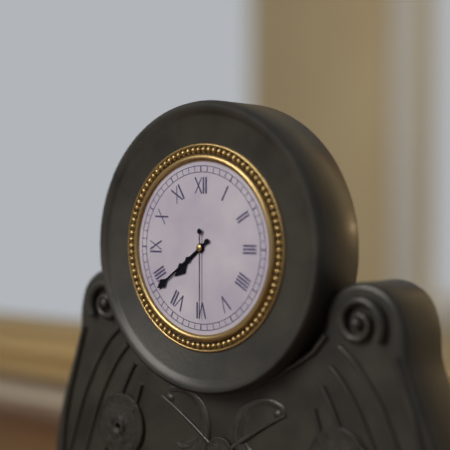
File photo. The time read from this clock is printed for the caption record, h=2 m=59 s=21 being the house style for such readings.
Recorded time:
h=7 m=39 s=30
